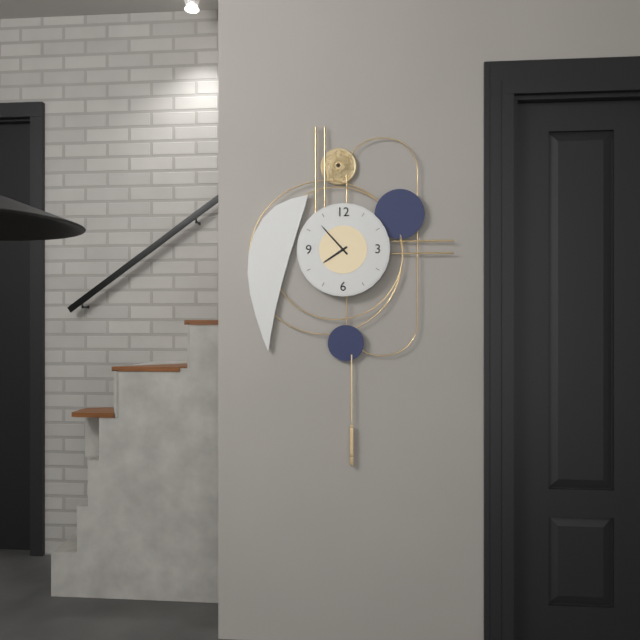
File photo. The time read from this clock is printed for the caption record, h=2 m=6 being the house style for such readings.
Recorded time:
h=7 m=53
